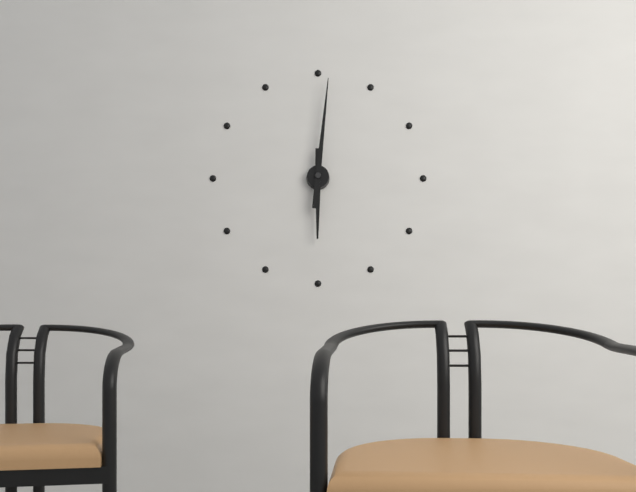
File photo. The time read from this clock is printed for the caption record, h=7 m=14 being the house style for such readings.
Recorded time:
h=6 m=1
